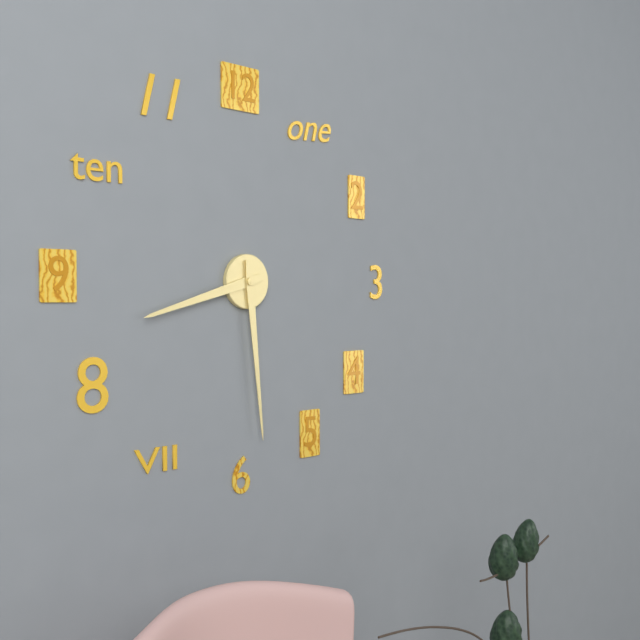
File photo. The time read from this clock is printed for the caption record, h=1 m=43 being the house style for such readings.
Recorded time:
h=8 m=29
